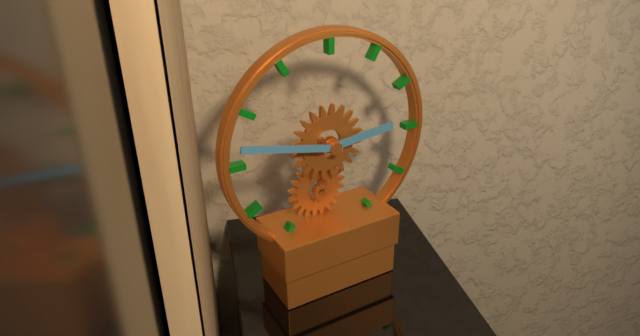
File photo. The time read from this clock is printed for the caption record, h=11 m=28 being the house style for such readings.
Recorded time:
h=2 m=47
